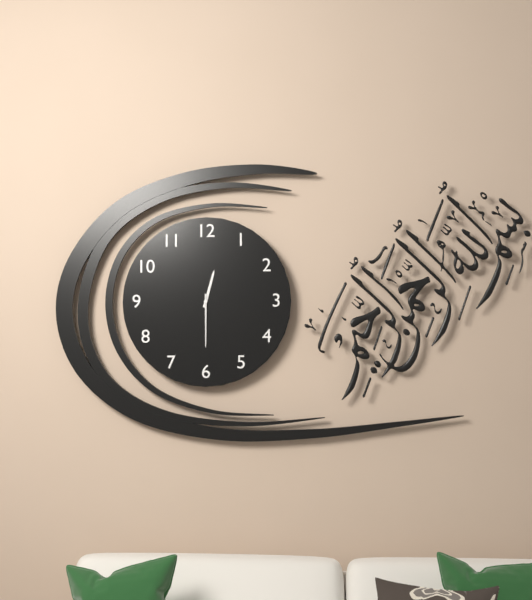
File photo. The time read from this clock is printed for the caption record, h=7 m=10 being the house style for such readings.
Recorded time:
h=12 m=30
